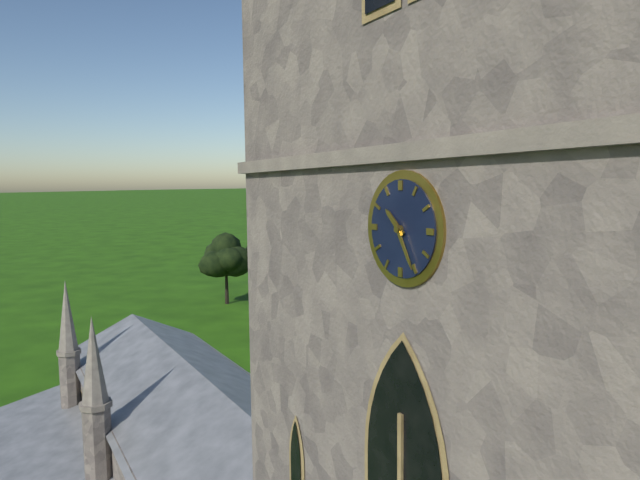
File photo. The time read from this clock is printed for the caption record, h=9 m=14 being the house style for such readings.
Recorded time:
h=10 m=25
